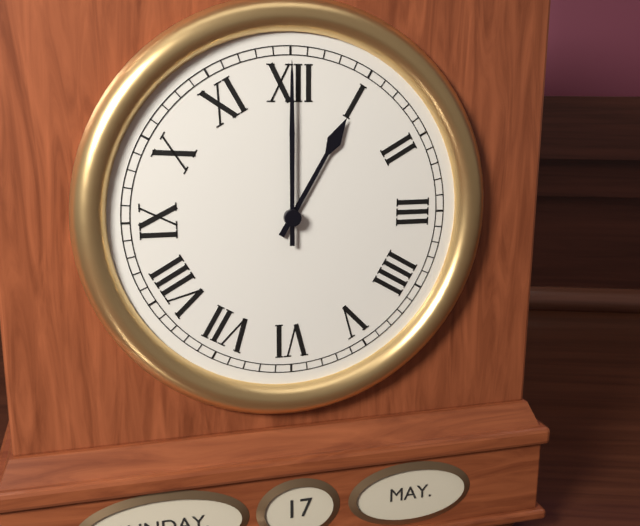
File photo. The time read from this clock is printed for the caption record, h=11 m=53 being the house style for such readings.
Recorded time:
h=1 m=0
